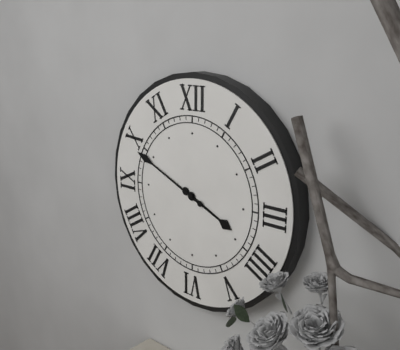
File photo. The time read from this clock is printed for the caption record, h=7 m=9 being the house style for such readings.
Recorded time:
h=3 m=49
